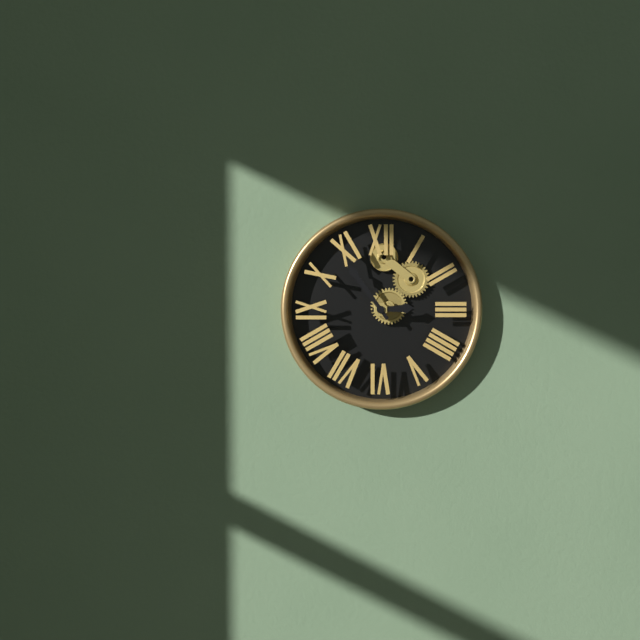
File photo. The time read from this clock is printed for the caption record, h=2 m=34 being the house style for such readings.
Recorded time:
h=2 m=54
